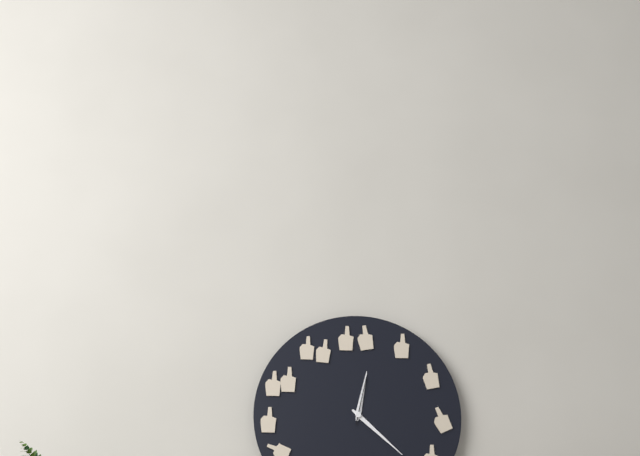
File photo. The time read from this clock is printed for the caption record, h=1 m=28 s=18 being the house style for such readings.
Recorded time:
h=12 m=22 s=2
